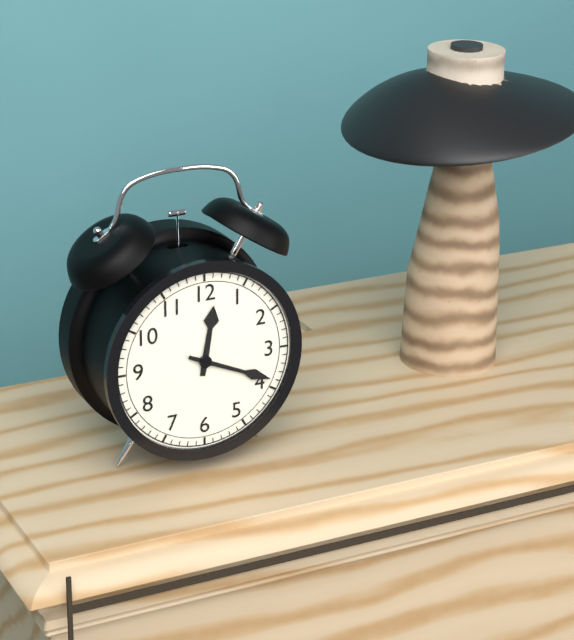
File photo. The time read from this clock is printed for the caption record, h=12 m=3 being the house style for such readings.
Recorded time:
h=12 m=19
